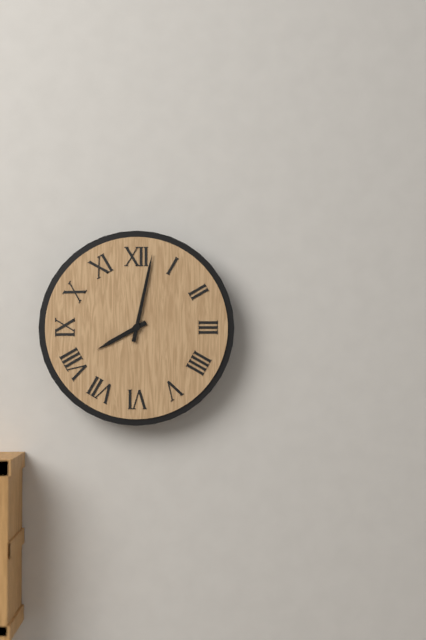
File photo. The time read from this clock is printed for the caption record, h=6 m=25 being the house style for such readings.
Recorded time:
h=8 m=2
